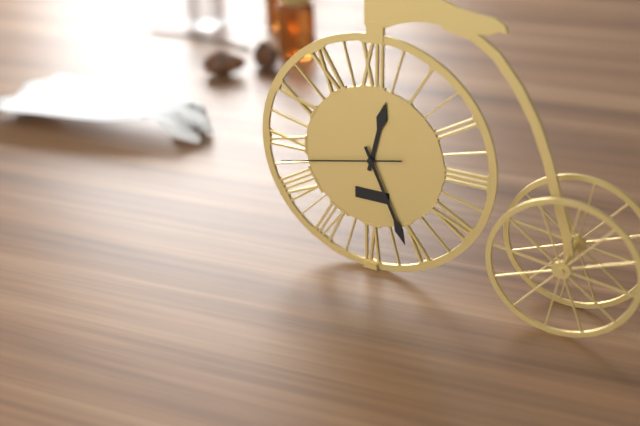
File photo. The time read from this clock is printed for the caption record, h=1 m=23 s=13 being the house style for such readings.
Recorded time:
h=12 m=26 s=43
